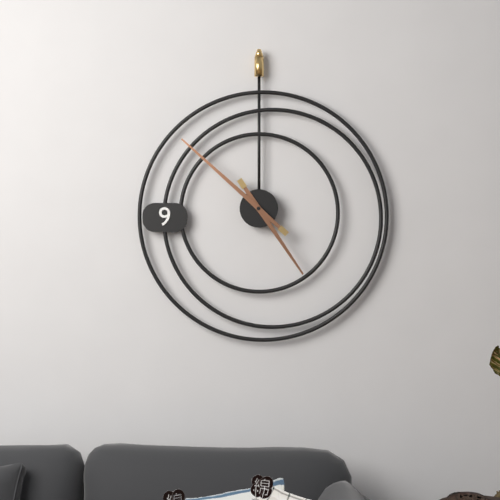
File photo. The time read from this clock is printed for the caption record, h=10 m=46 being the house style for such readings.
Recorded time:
h=4 m=52
